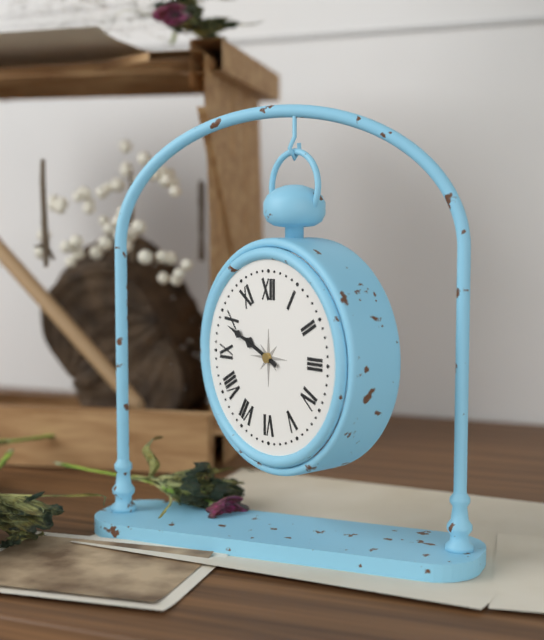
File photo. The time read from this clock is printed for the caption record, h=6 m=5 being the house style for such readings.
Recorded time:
h=9 m=49
